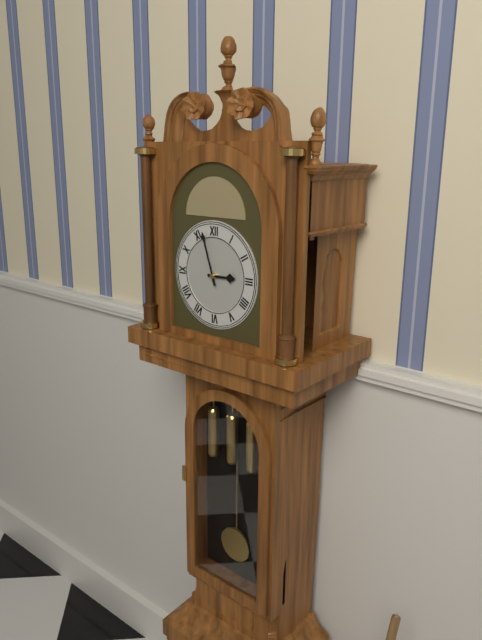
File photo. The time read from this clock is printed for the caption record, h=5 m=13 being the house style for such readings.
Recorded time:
h=2 m=57
